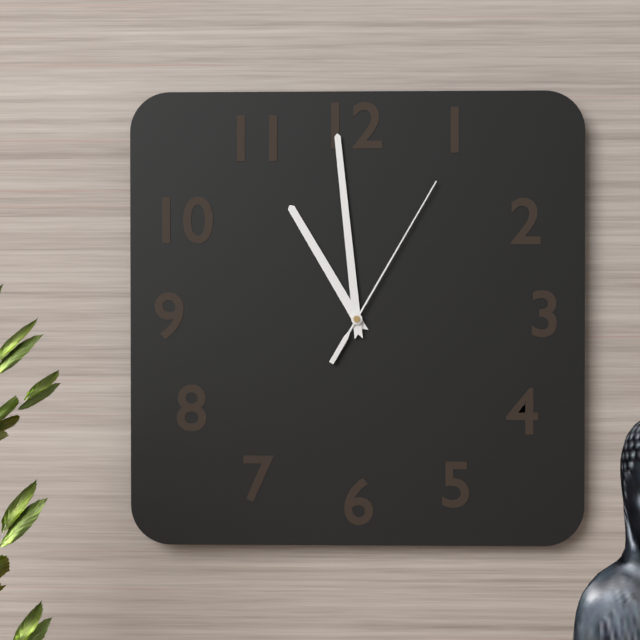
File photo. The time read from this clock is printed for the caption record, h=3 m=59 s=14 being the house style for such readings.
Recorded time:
h=10 m=59 s=5
